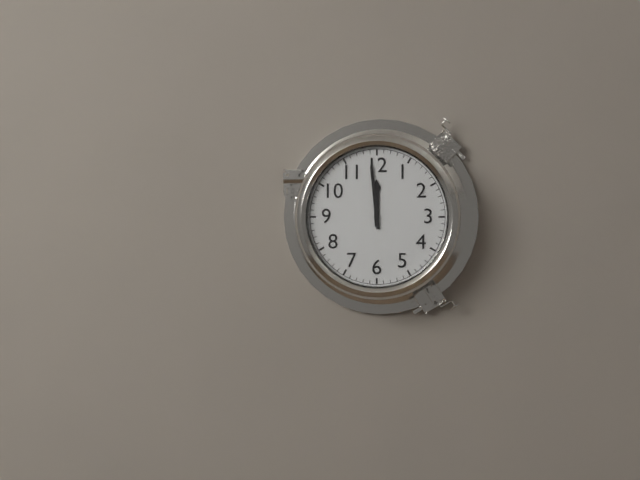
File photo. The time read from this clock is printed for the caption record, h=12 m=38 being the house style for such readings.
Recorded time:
h=11 m=59
